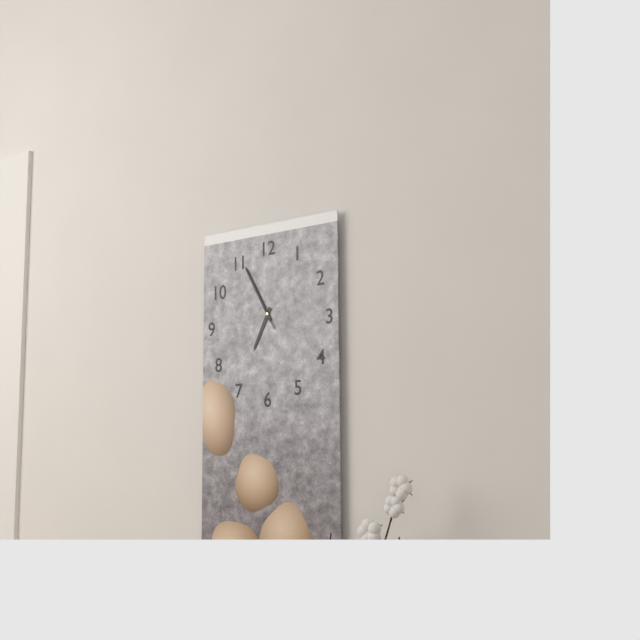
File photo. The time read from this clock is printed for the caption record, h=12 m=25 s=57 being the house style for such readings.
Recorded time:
h=6 m=55 s=55
